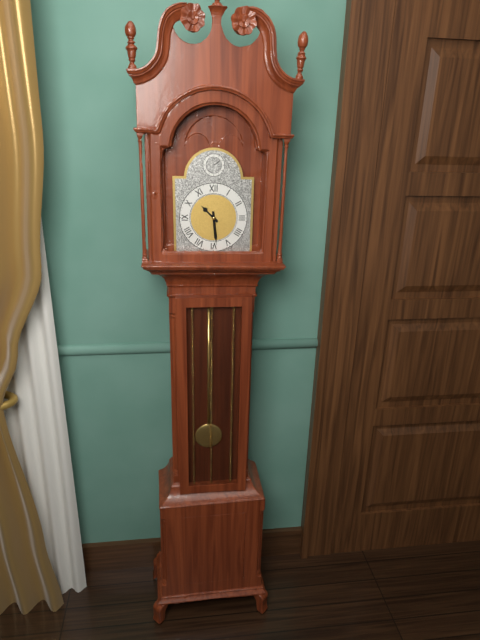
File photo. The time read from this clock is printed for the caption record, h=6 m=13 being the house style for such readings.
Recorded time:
h=10 m=29
